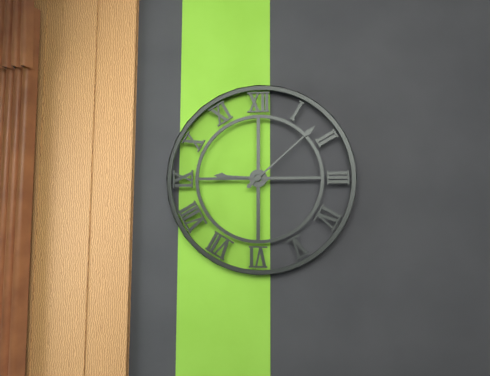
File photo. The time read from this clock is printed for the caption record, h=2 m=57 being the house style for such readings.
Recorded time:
h=9 m=8
